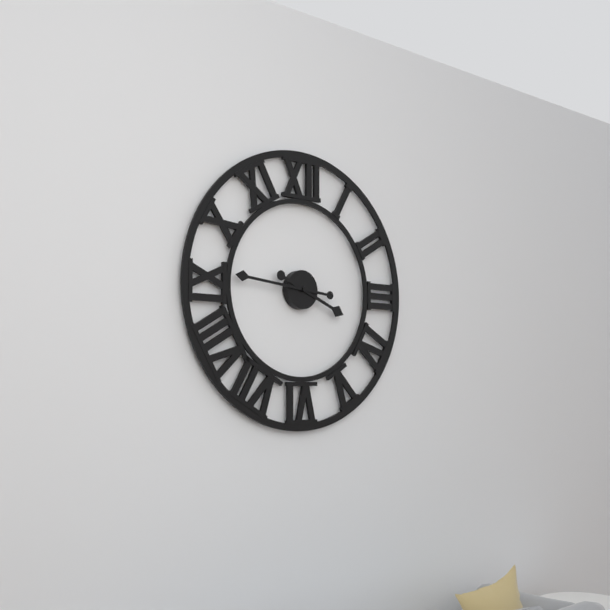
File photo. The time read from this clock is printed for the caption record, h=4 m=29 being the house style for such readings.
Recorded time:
h=3 m=46
